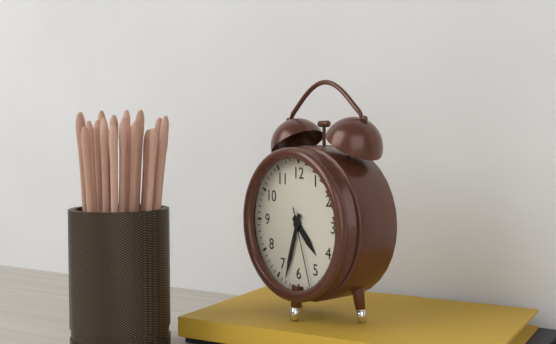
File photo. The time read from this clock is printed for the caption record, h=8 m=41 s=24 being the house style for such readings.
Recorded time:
h=4 m=33 s=27
